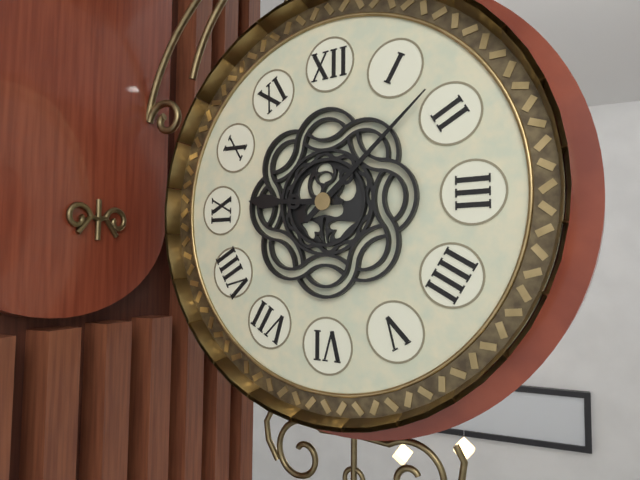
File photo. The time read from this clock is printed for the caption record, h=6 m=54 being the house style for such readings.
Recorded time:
h=9 m=8
